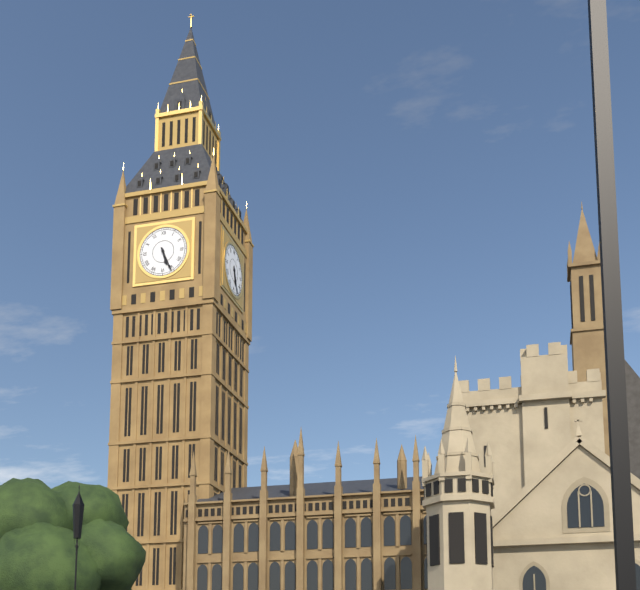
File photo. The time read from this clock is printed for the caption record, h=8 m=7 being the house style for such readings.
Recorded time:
h=5 m=26
